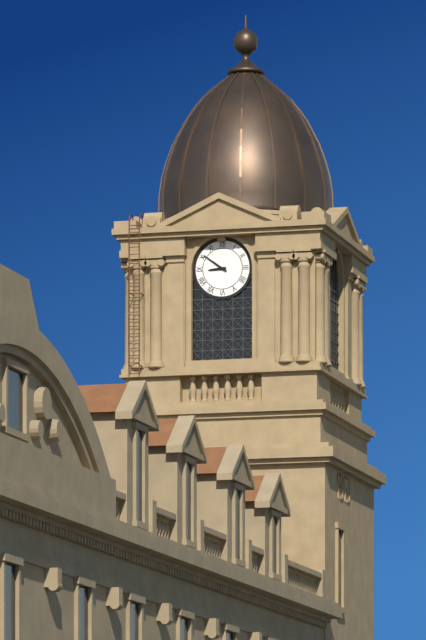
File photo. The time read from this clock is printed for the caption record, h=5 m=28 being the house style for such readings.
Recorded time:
h=8 m=51
